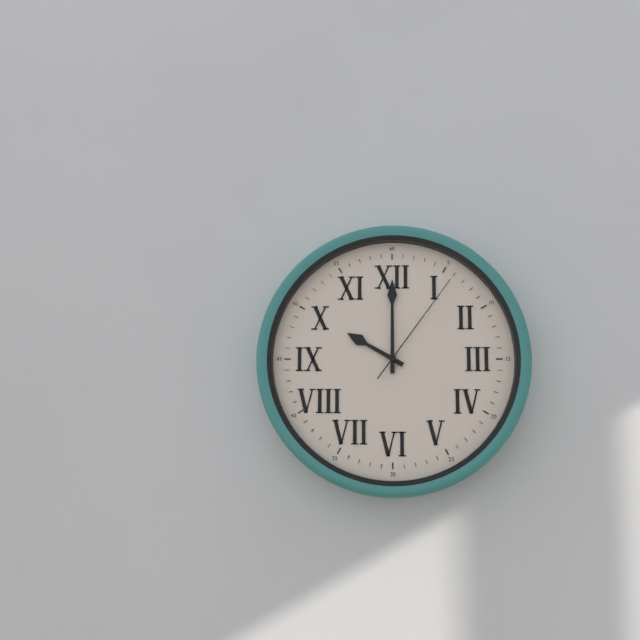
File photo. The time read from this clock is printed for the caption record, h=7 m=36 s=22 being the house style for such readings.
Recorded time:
h=10 m=0 s=6
